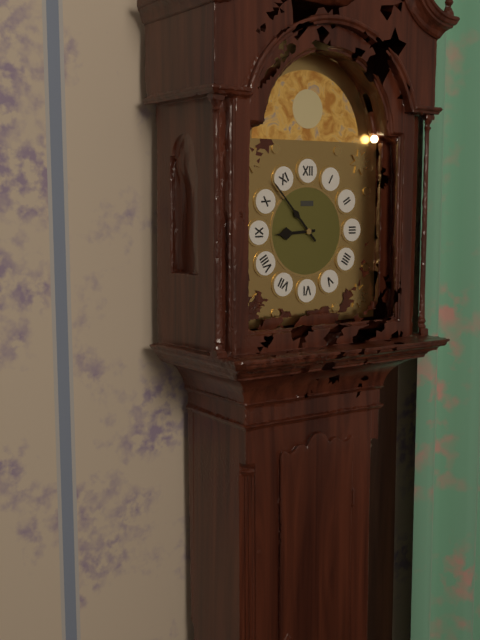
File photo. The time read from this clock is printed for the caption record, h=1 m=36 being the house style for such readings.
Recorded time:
h=8 m=53
